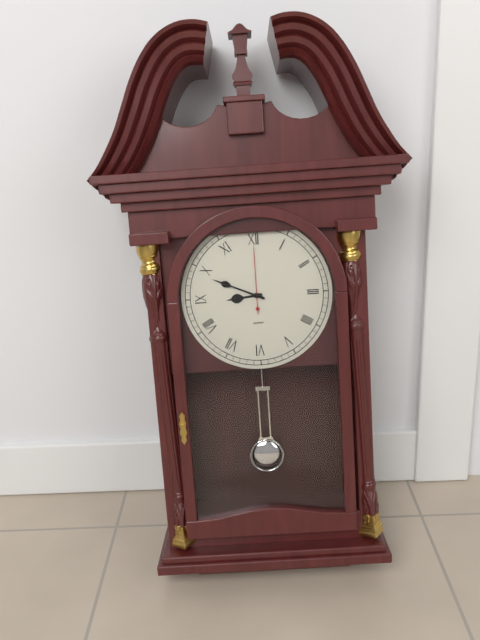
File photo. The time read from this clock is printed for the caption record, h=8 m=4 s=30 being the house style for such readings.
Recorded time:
h=8 m=49 s=0
